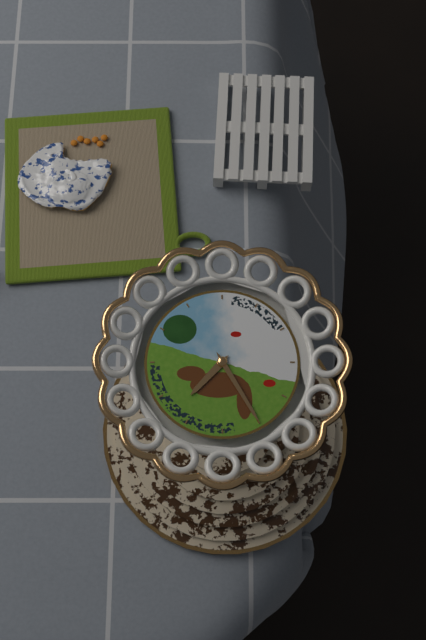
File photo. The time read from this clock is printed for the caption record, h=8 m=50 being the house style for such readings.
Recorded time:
h=7 m=25
